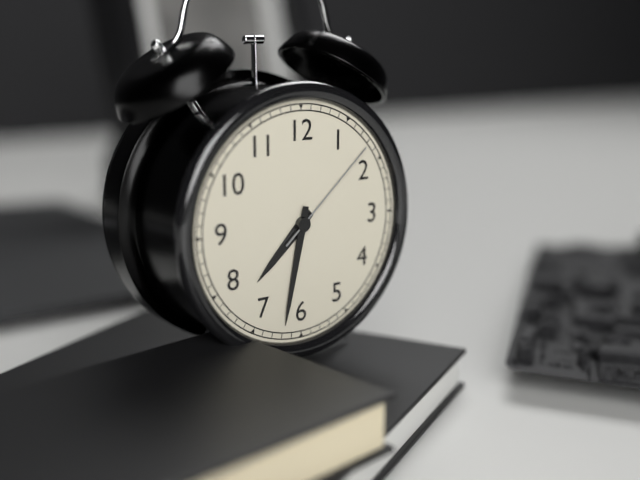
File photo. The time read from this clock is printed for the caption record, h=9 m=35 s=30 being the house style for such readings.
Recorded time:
h=7 m=32 s=8
